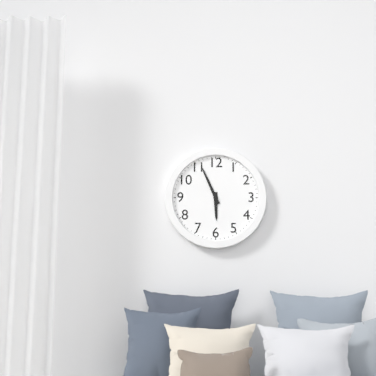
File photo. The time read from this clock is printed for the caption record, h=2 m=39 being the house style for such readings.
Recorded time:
h=5 m=56
